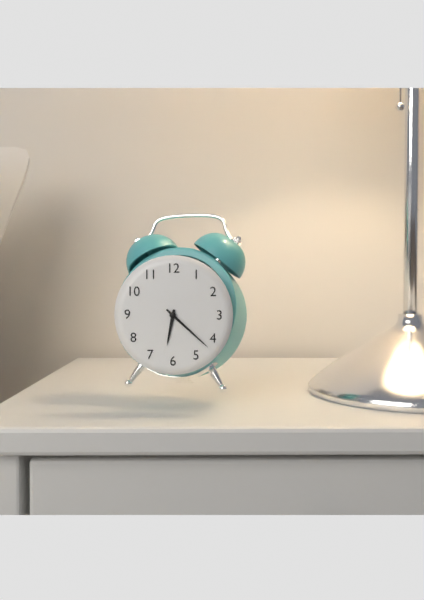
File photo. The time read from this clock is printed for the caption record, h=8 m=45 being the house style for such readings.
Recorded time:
h=6 m=22
